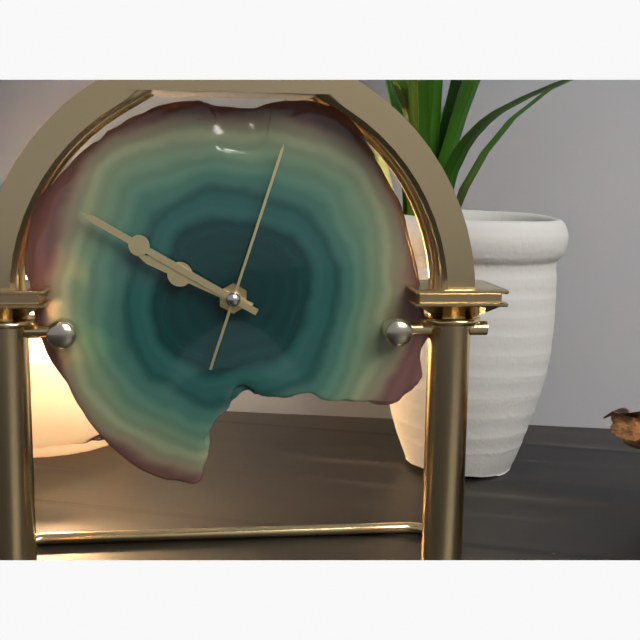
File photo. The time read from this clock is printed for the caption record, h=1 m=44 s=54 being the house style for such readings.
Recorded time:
h=9 m=50 s=3
